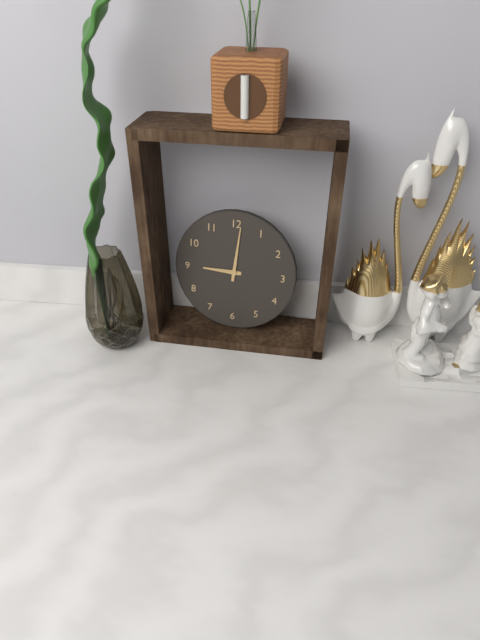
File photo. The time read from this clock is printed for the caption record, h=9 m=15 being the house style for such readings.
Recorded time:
h=9 m=1
